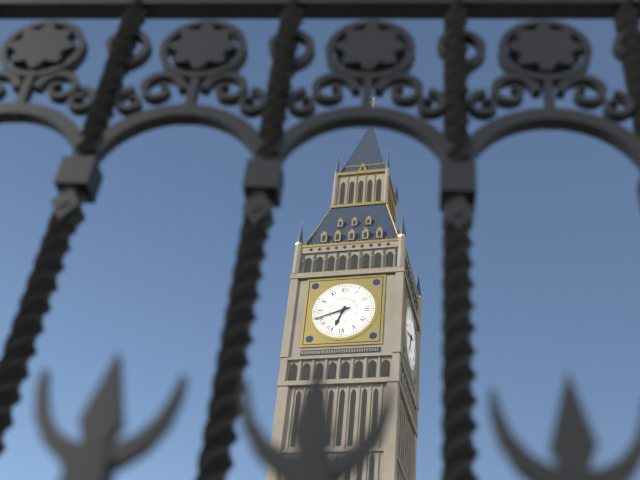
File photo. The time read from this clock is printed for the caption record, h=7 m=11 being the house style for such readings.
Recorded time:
h=6 m=42
